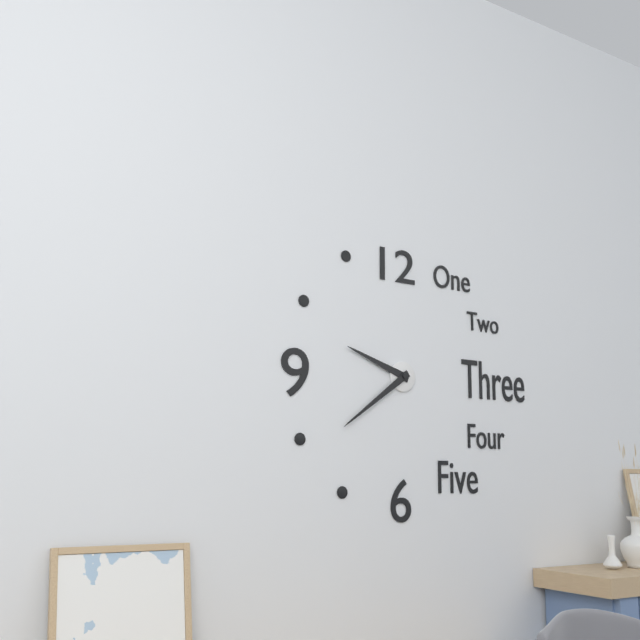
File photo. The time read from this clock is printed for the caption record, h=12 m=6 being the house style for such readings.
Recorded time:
h=9 m=39
